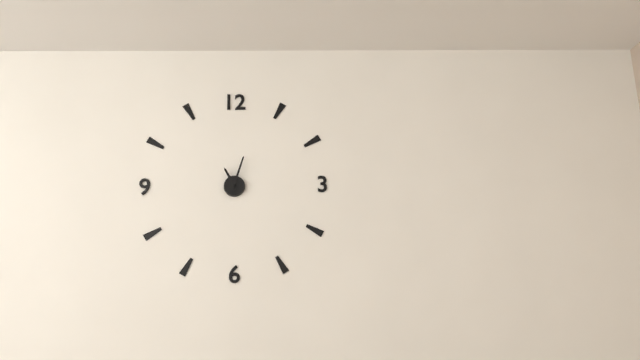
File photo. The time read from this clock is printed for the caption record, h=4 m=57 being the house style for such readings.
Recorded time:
h=11 m=3
